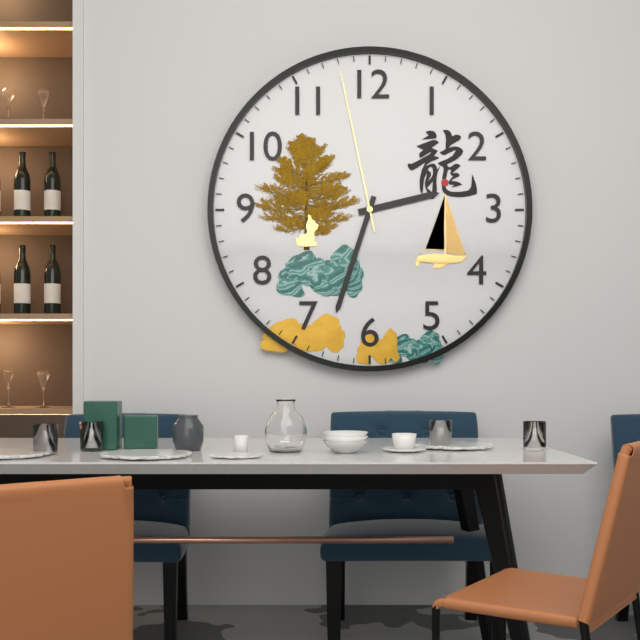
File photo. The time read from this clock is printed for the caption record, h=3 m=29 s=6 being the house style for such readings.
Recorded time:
h=2 m=33 s=58
